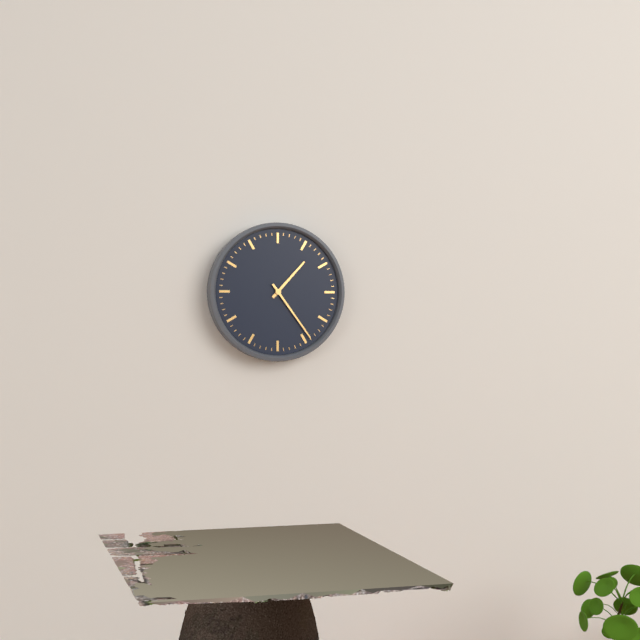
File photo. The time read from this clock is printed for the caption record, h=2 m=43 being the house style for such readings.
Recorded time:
h=1 m=24
